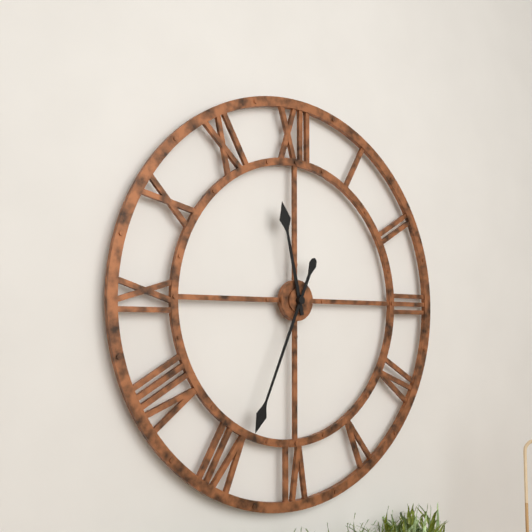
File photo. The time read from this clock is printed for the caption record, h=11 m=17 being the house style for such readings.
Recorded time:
h=11 m=34
